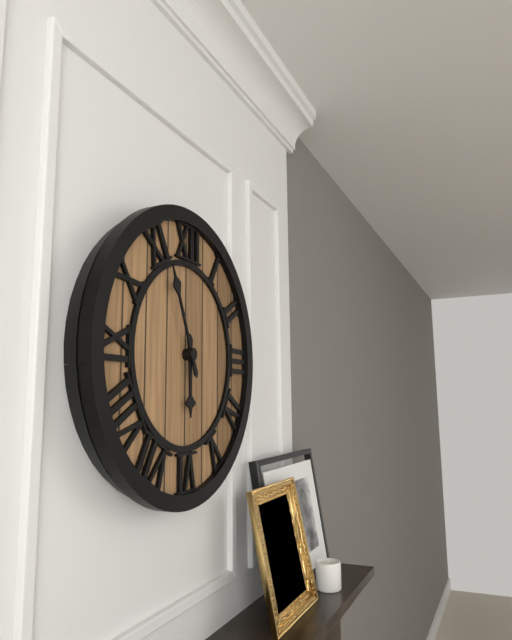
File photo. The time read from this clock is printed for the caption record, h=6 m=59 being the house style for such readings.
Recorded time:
h=5 m=56
